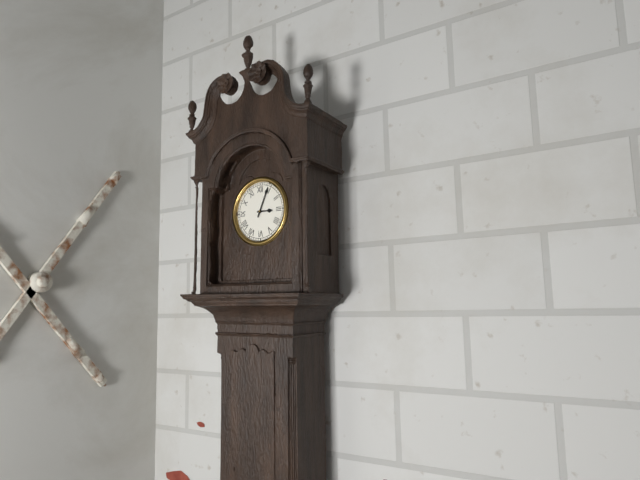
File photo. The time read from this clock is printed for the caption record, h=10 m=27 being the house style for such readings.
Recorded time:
h=3 m=4
